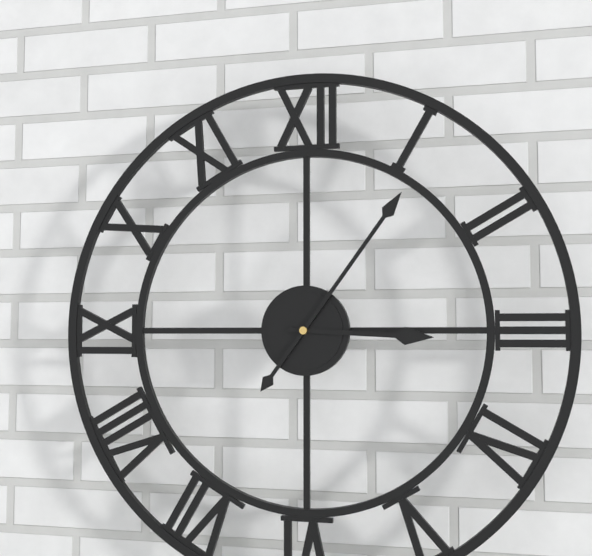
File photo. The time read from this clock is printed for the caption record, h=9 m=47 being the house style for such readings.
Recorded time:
h=3 m=6
